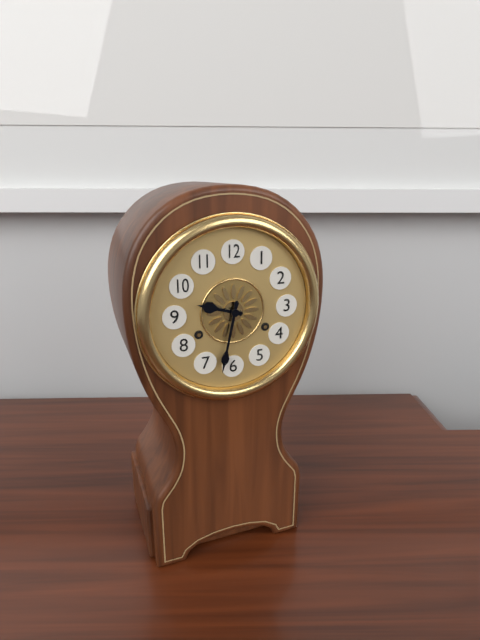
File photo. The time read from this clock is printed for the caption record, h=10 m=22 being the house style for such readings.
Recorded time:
h=9 m=32
